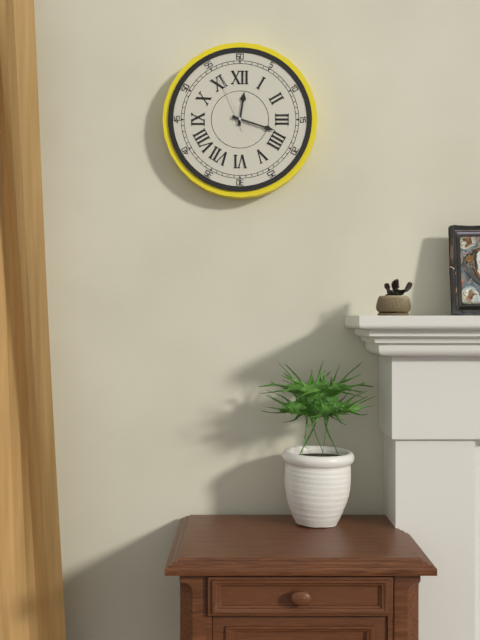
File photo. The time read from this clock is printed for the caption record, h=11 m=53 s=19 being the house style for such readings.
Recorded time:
h=12 m=18 s=56
